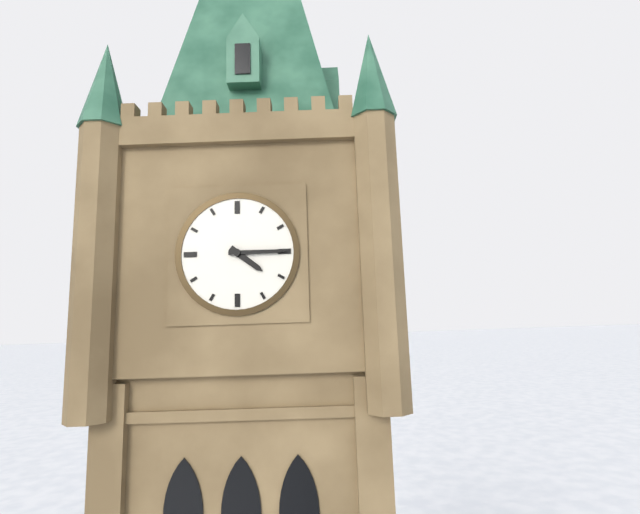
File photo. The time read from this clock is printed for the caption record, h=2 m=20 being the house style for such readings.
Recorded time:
h=4 m=15
